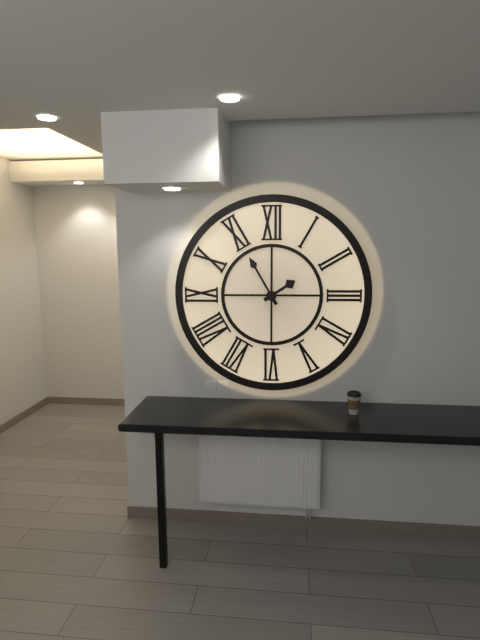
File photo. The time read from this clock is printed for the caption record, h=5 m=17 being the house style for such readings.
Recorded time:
h=1 m=55
